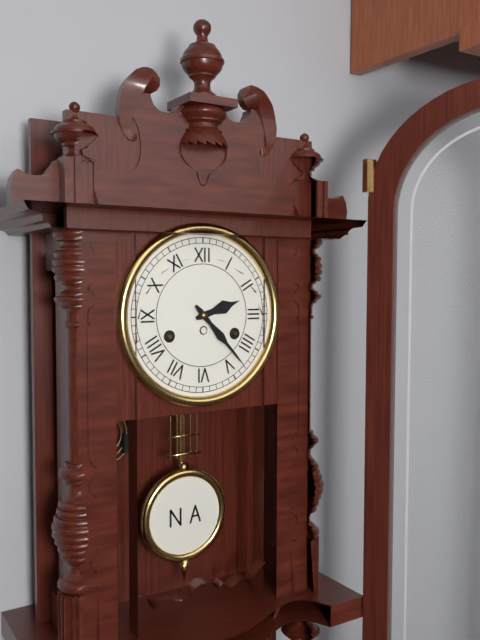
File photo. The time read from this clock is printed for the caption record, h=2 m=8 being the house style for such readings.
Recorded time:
h=2 m=23
